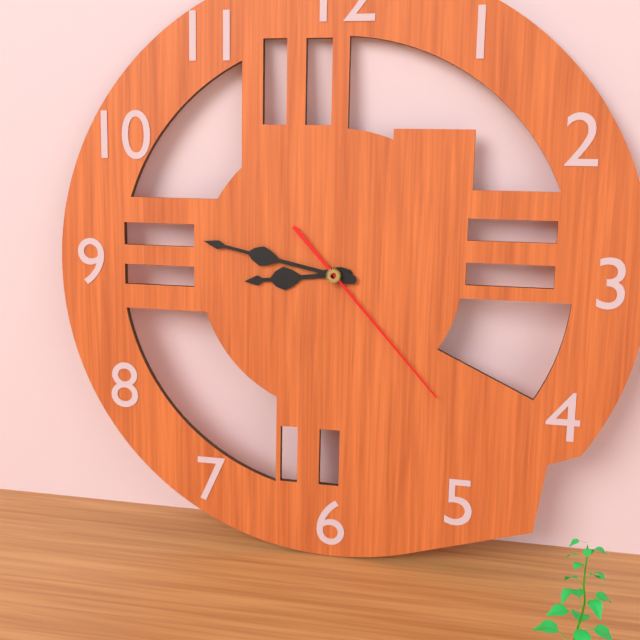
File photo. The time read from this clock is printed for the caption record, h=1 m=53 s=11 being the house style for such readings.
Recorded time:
h=8 m=47 s=23
